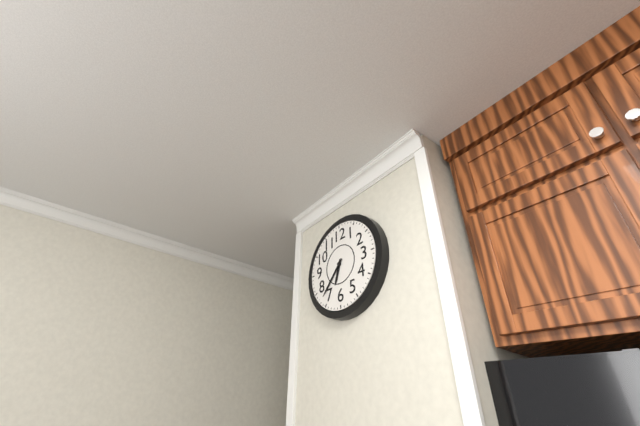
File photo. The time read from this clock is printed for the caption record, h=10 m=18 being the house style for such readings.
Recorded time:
h=6 m=37
